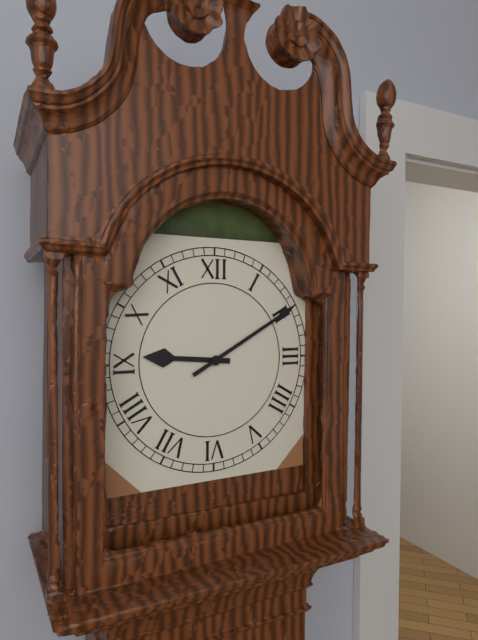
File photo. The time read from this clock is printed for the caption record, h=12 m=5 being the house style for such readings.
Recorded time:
h=9 m=10
